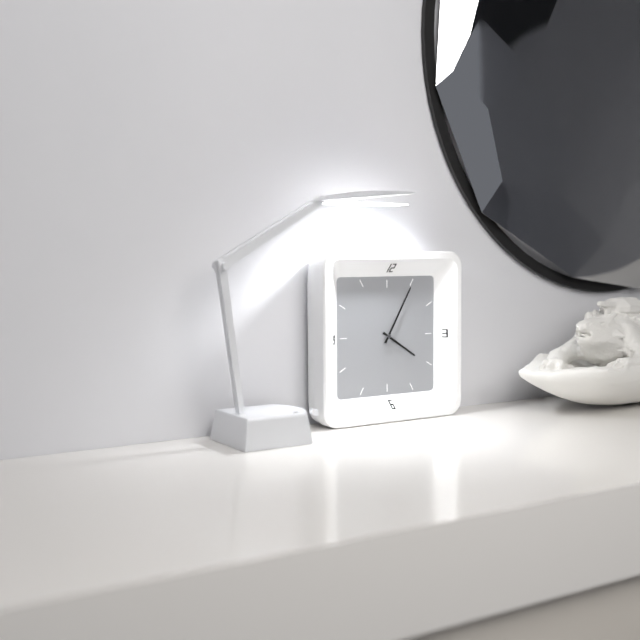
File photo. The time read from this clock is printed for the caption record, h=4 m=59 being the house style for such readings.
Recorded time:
h=4 m=5
